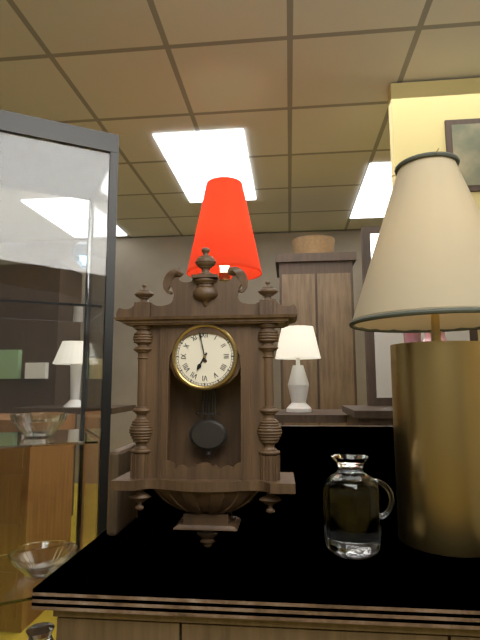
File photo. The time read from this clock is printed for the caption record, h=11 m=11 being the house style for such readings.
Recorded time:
h=6 m=58
